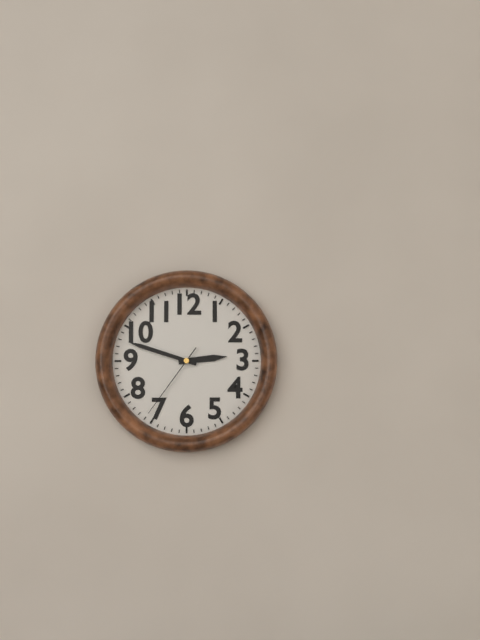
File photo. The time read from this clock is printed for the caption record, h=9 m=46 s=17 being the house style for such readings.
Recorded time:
h=2 m=48 s=36
